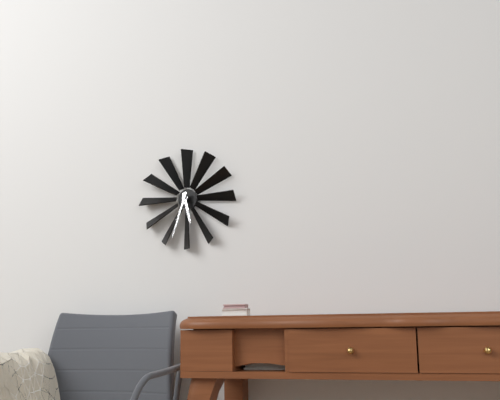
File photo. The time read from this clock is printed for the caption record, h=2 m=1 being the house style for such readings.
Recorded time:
h=5 m=33
